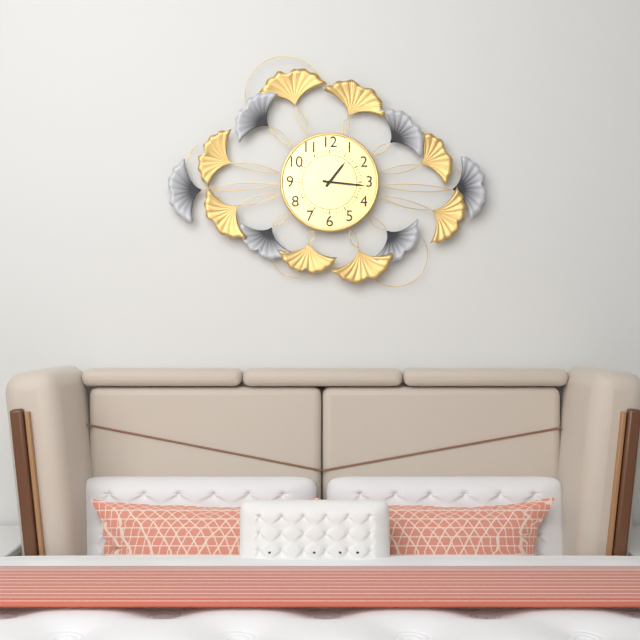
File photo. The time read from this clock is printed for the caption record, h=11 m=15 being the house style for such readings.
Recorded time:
h=1 m=16
